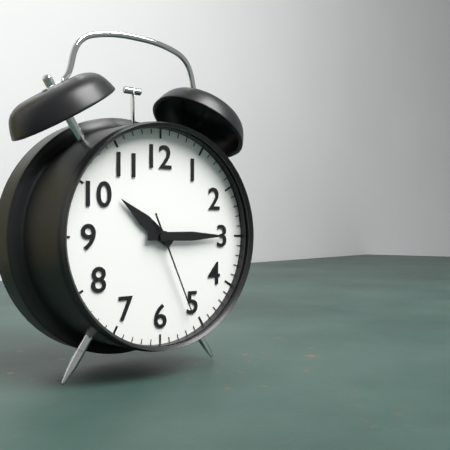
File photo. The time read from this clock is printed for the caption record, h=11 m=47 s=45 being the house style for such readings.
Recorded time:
h=10 m=15 s=26
